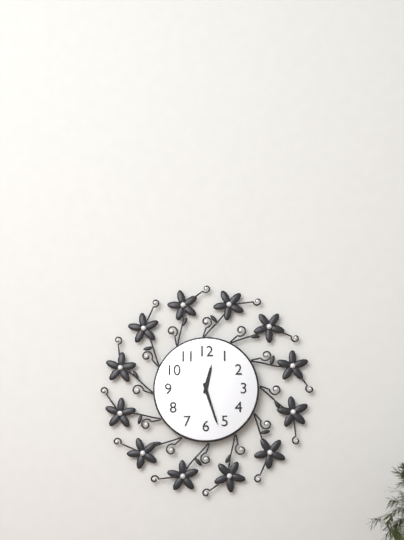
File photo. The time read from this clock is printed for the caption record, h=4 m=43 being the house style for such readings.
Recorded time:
h=12 m=27
